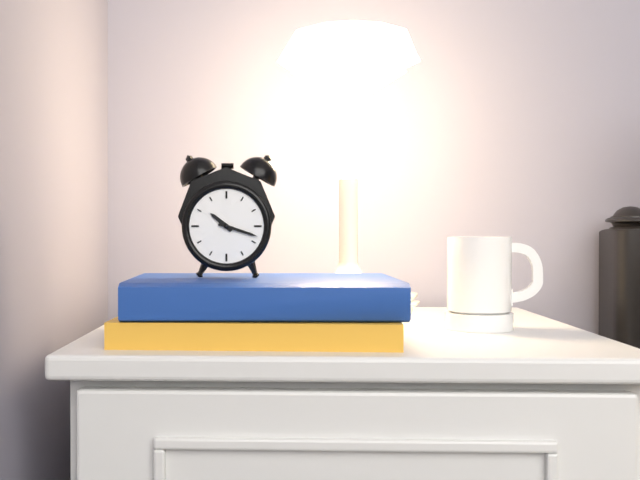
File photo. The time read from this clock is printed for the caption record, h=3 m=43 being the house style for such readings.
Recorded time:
h=10 m=18
